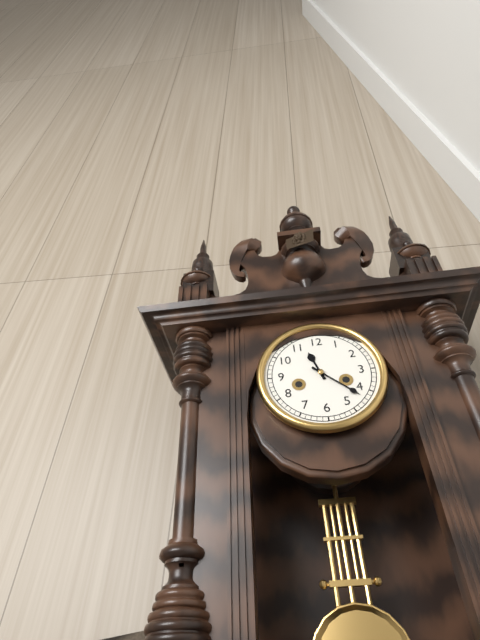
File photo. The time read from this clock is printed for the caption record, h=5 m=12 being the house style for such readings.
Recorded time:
h=11 m=22
